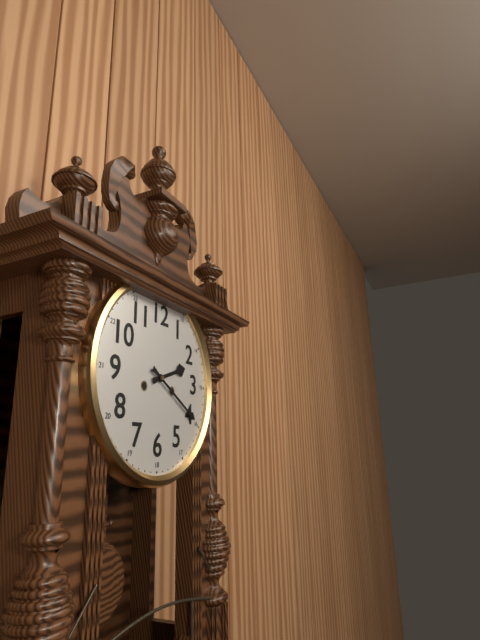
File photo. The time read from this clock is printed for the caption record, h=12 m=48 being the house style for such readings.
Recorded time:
h=2 m=20
